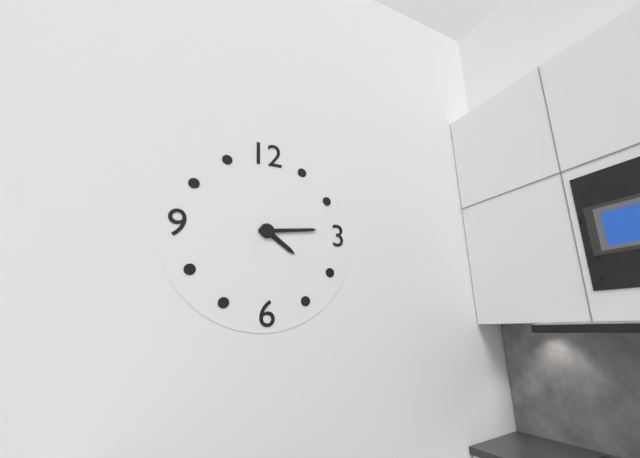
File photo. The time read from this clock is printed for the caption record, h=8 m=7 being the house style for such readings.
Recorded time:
h=4 m=14
